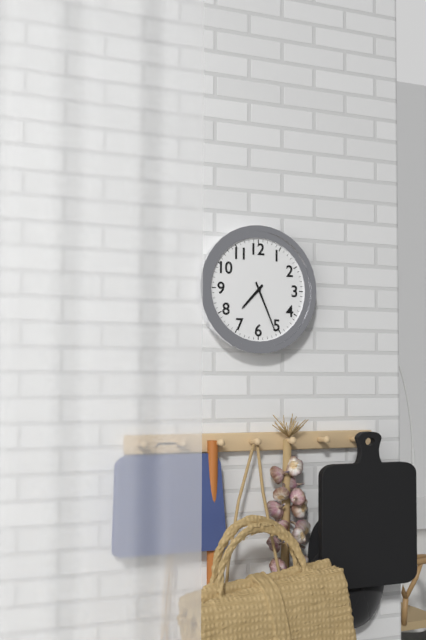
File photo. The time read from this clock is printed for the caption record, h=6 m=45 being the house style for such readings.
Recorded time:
h=7 m=26
